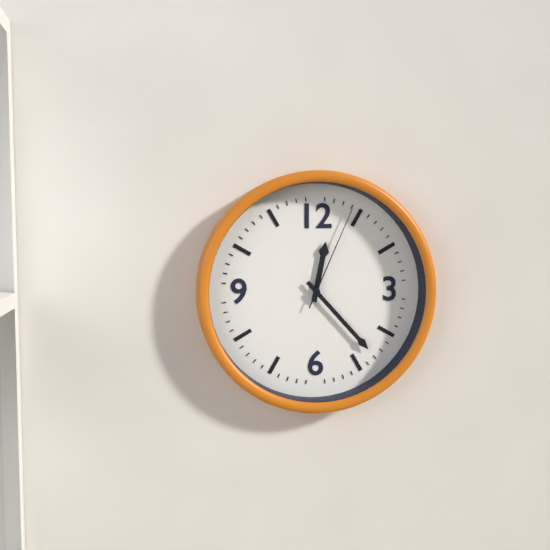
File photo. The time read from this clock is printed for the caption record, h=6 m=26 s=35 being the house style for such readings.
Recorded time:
h=12 m=23 s=4
